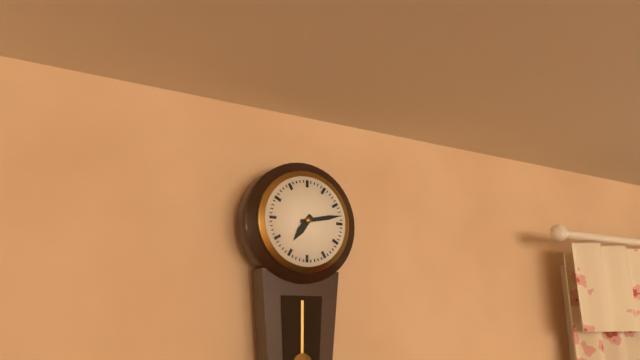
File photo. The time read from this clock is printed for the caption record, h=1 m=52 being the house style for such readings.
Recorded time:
h=7 m=13
